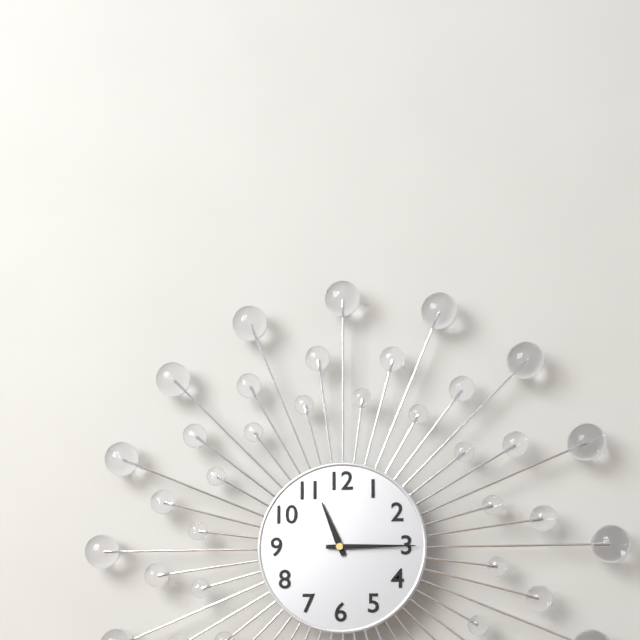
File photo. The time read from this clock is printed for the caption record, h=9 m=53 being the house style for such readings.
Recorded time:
h=11 m=15
